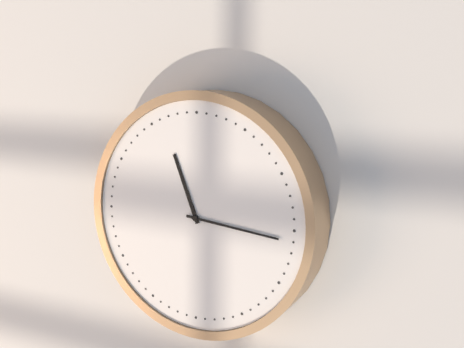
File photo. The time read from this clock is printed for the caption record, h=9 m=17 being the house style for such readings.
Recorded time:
h=11 m=16
